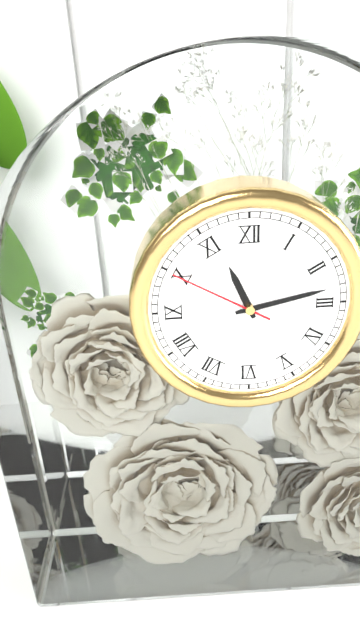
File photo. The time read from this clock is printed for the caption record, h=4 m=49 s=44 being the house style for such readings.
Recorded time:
h=11 m=13 s=50
